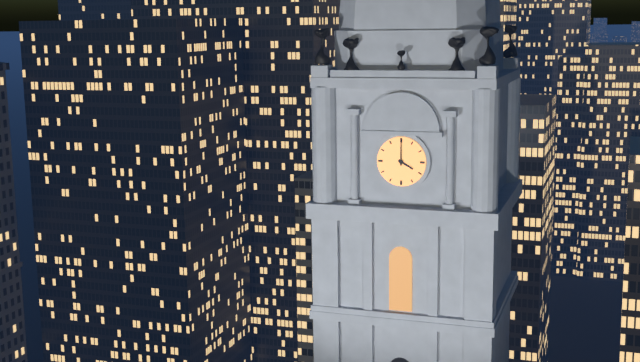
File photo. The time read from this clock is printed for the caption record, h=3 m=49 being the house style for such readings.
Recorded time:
h=4 m=0
